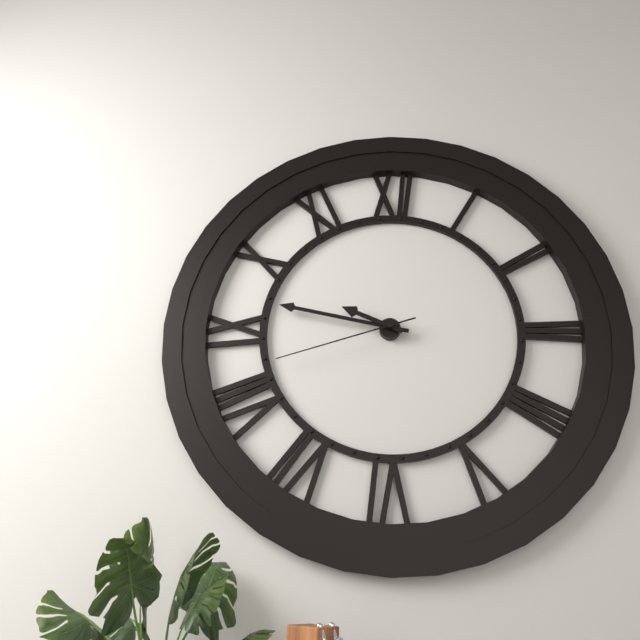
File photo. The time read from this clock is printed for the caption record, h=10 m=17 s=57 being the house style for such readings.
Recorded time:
h=9 m=47 s=42
